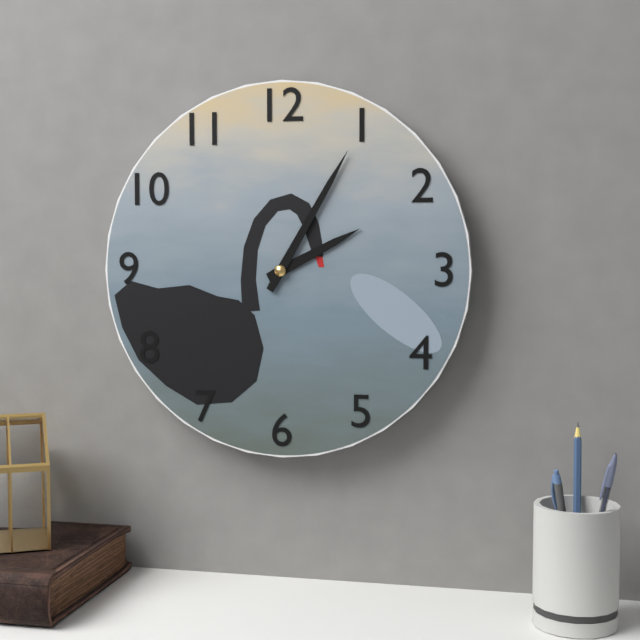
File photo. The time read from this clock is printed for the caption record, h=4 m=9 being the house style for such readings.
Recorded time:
h=2 m=5
